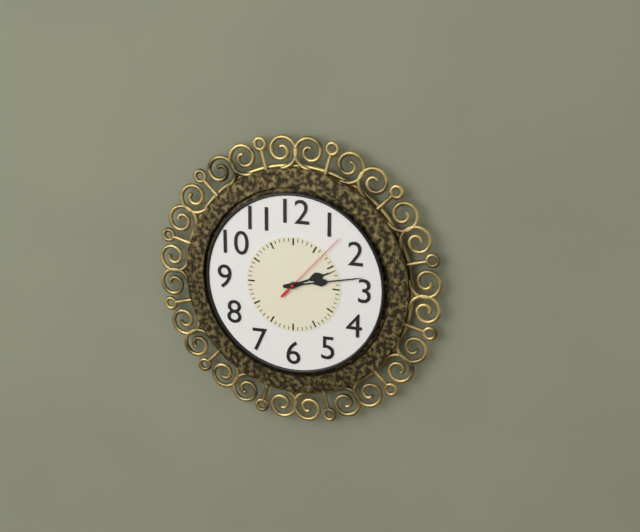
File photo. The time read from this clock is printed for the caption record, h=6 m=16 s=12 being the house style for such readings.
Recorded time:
h=2 m=13 s=7
